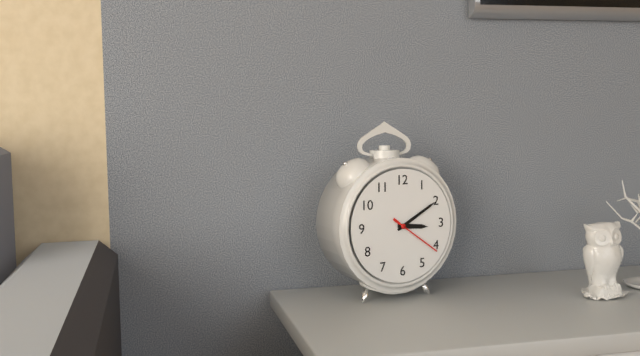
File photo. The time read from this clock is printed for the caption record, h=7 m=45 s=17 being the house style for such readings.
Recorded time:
h=3 m=10 s=21
